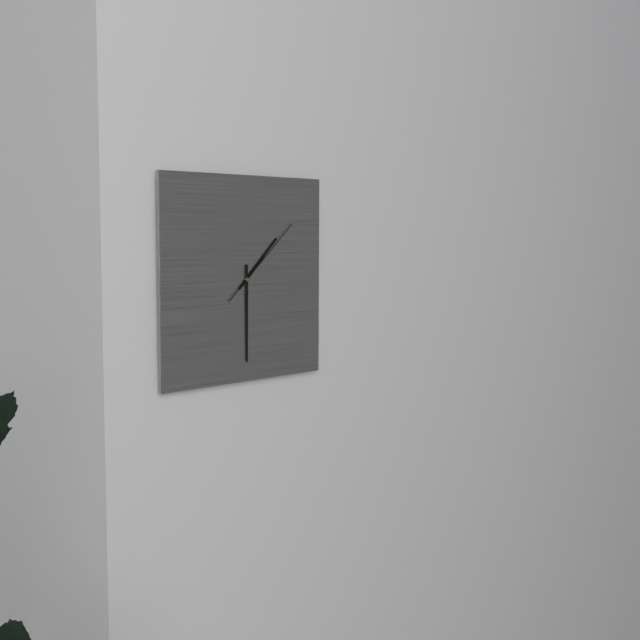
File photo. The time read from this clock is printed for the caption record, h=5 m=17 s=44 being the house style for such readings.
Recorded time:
h=1 m=30 s=8
